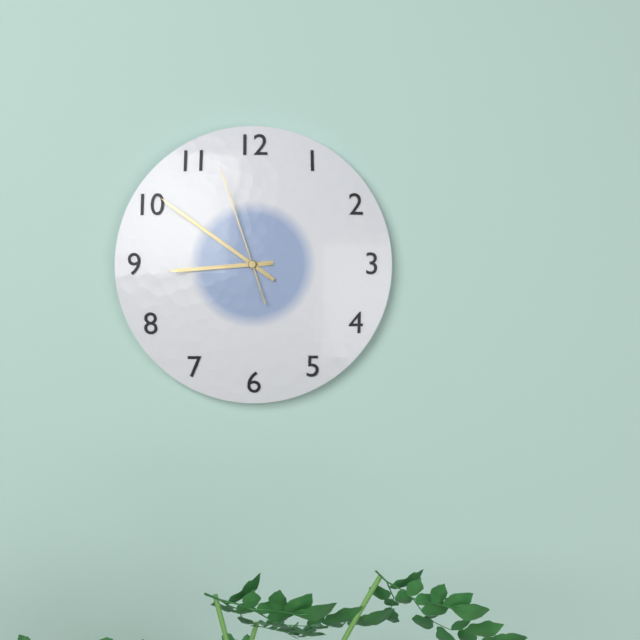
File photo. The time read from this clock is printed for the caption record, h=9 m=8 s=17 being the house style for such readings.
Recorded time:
h=8 m=51 s=57
